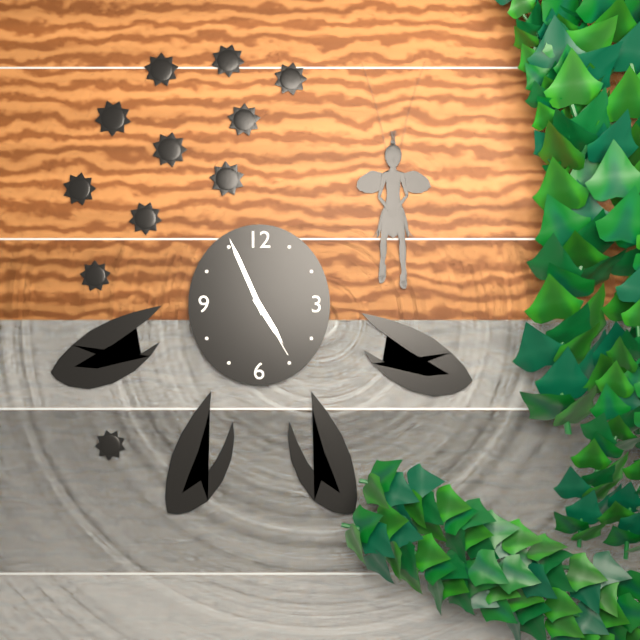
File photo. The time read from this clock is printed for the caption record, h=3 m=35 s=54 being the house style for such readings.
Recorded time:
h=4 m=56 s=25
